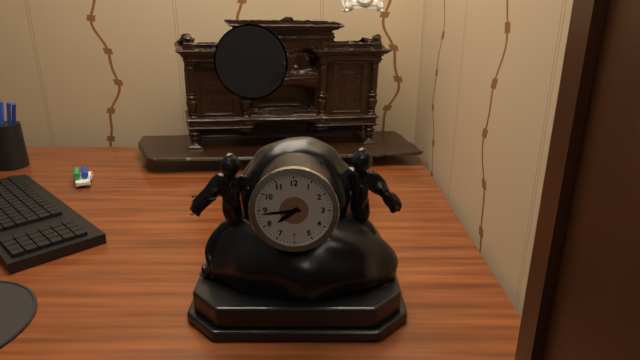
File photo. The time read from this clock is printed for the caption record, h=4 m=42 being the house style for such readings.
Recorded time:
h=7 m=44
